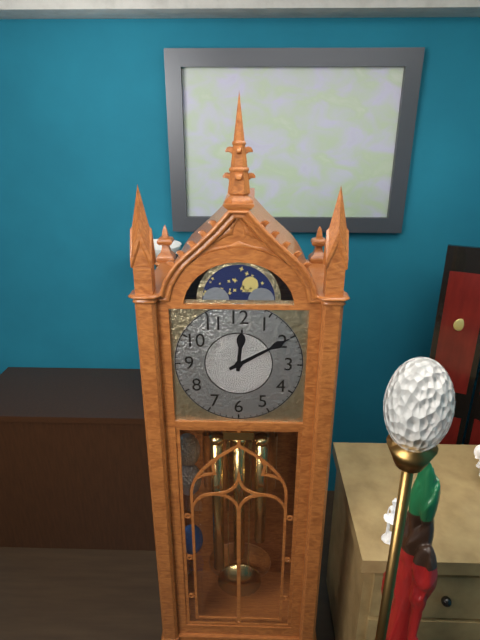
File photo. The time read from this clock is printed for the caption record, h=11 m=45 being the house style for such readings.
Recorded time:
h=12 m=10
